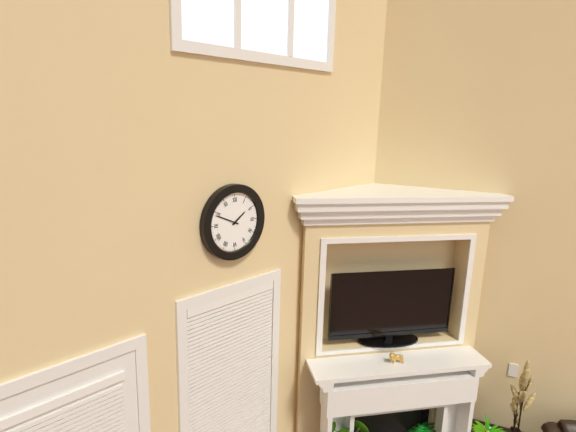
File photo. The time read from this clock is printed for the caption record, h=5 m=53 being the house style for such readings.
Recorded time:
h=1 m=49
